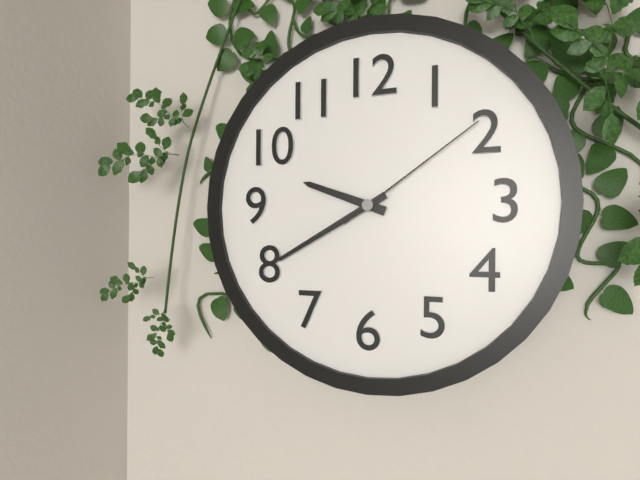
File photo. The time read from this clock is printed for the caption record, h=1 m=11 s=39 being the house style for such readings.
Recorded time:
h=9 m=40 s=9
